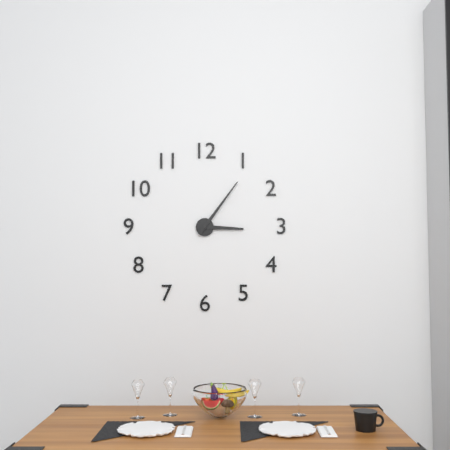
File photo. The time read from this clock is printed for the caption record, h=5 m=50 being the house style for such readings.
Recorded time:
h=3 m=6
